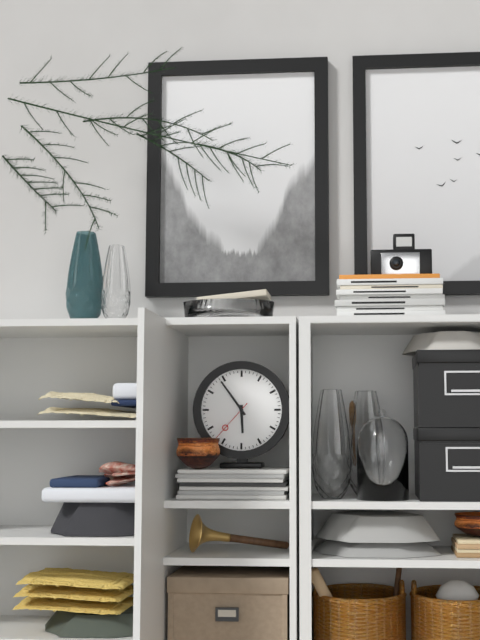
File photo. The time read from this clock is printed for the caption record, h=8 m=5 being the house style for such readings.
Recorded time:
h=5 m=54
